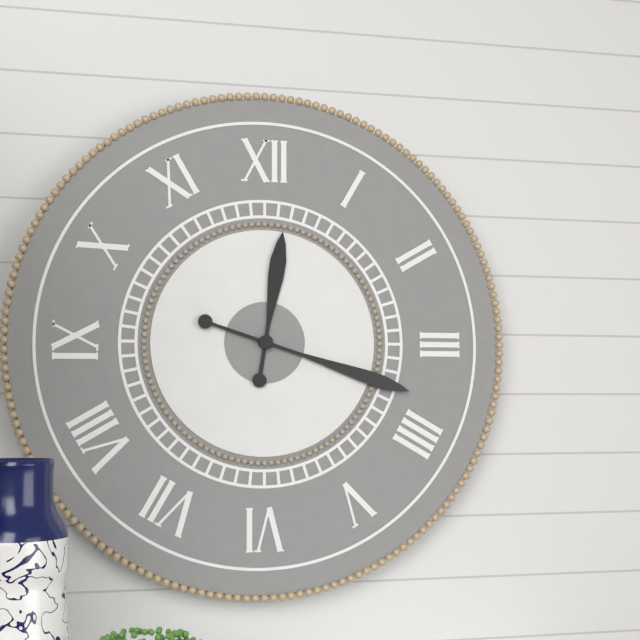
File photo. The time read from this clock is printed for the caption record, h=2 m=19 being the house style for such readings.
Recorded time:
h=12 m=18
